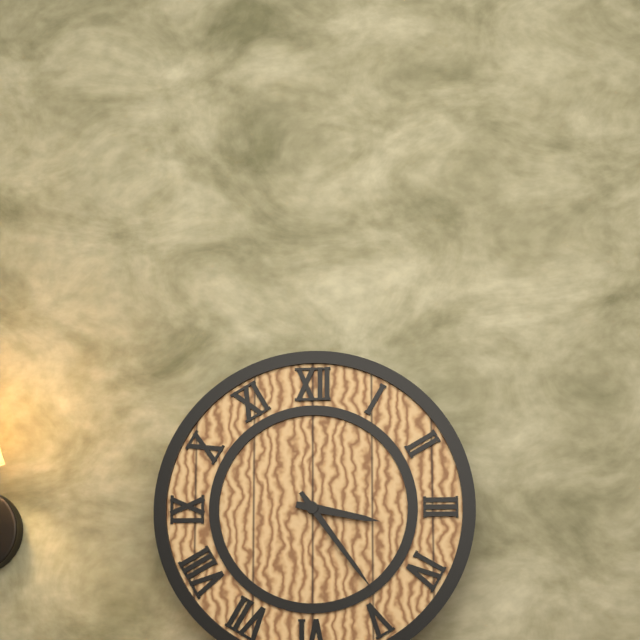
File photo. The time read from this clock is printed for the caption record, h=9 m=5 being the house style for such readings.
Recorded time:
h=3 m=24
